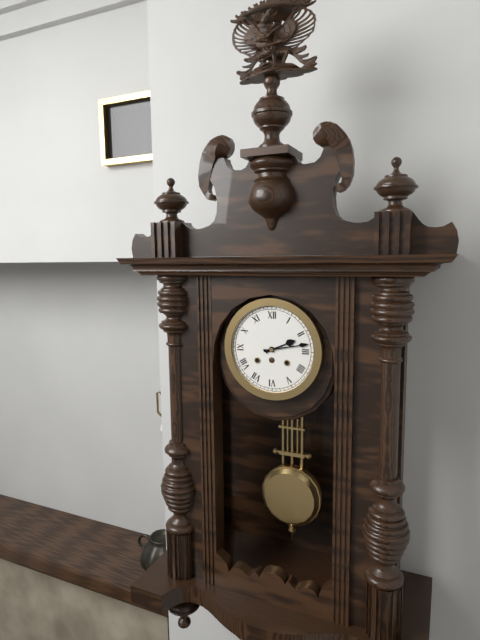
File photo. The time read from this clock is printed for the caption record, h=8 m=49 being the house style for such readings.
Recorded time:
h=2 m=13
